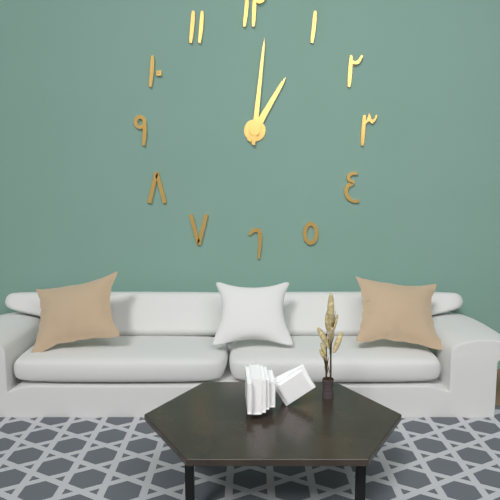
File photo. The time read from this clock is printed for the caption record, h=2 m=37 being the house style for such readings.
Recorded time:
h=1 m=1
